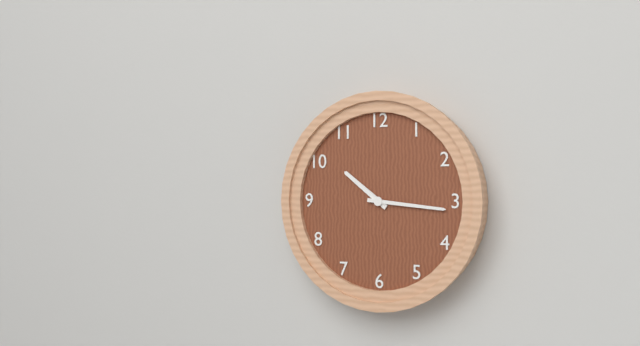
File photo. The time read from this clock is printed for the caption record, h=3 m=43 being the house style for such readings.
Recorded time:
h=10 m=16
